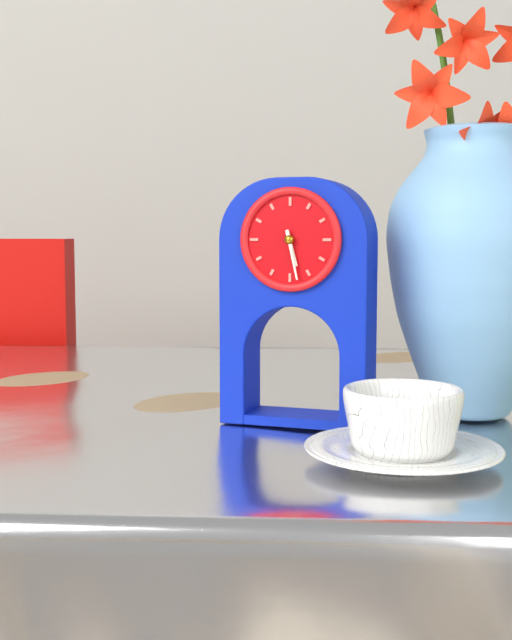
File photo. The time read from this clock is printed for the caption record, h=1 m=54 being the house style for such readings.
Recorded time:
h=5 m=28
